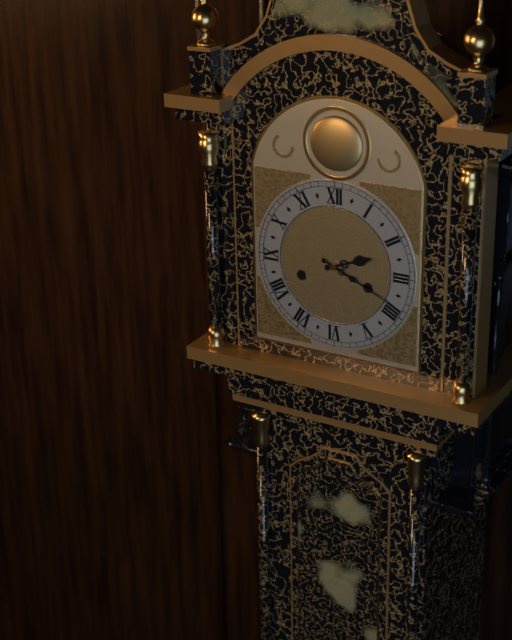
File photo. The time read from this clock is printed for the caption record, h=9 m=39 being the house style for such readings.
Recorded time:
h=2 m=19
